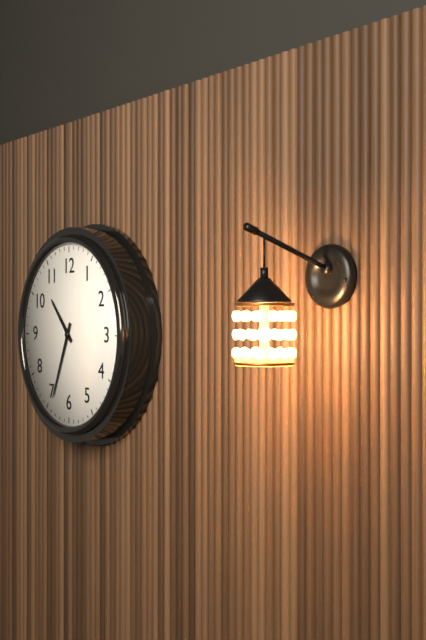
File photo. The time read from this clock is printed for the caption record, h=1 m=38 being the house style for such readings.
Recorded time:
h=10 m=34
